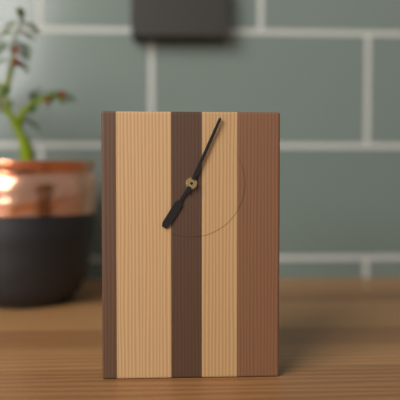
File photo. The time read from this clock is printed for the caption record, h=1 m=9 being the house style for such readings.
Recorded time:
h=7 m=4
